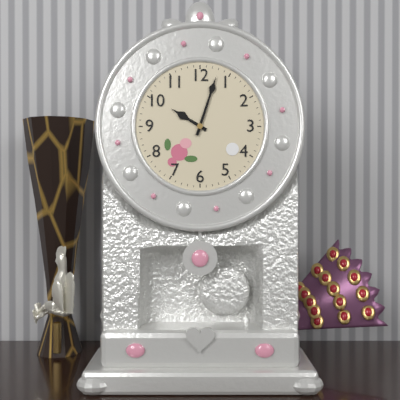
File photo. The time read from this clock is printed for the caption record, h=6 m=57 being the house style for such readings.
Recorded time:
h=10 m=3
